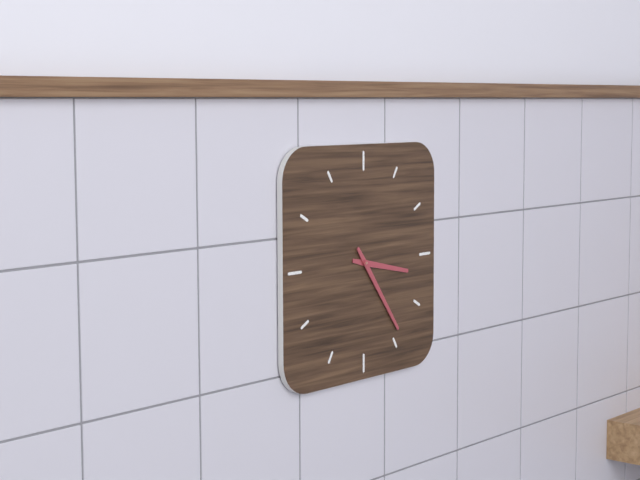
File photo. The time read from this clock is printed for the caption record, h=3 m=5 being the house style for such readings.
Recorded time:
h=3 m=24
